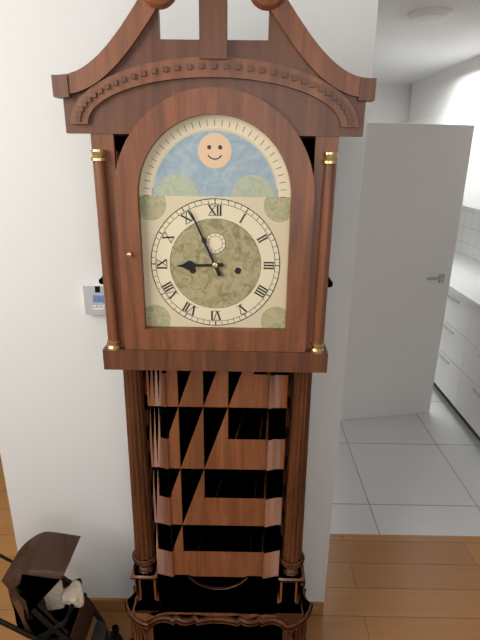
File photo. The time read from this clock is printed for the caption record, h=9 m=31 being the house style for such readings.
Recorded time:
h=8 m=56
